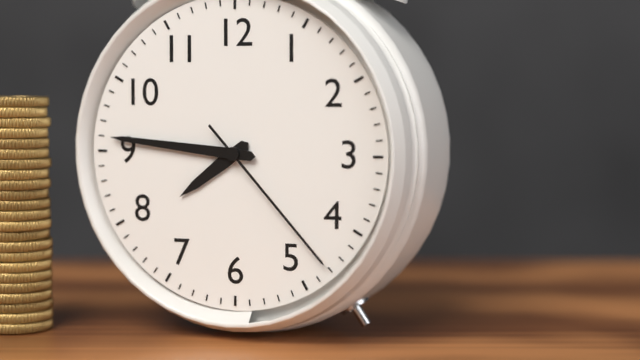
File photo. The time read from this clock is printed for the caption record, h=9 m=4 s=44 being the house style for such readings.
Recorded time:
h=7 m=46 s=23
